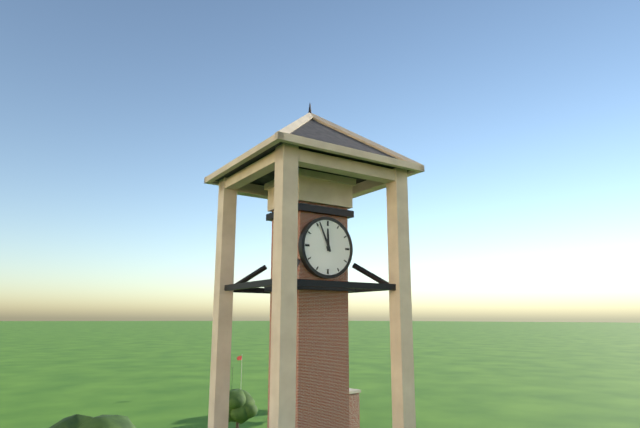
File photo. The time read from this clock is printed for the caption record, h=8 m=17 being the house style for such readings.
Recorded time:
h=11 m=56
